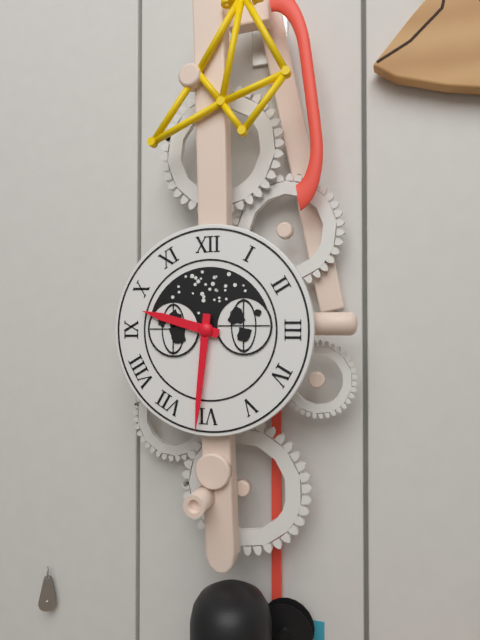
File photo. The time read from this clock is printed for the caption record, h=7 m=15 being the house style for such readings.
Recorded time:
h=9 m=31
